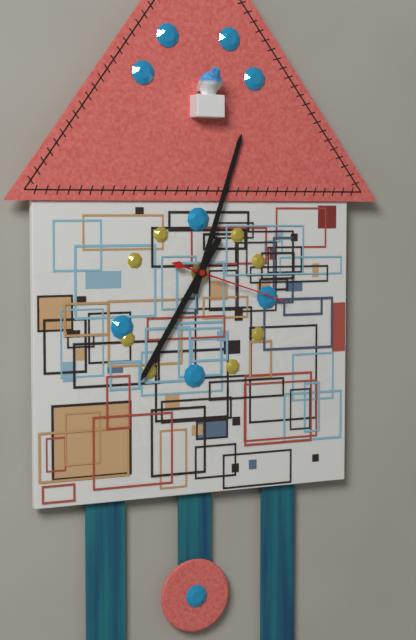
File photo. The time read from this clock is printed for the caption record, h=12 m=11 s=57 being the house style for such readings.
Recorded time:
h=7 m=3 s=18
